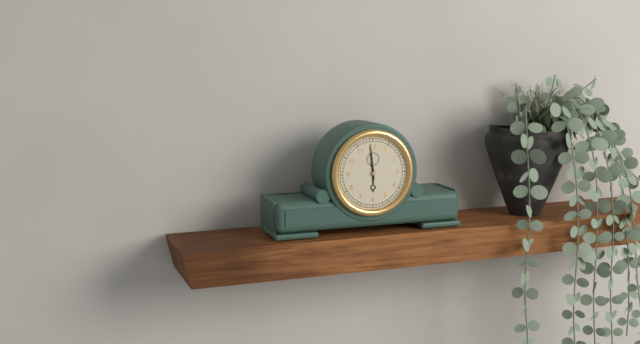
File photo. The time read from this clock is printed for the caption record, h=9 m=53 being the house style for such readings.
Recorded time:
h=5 m=59
